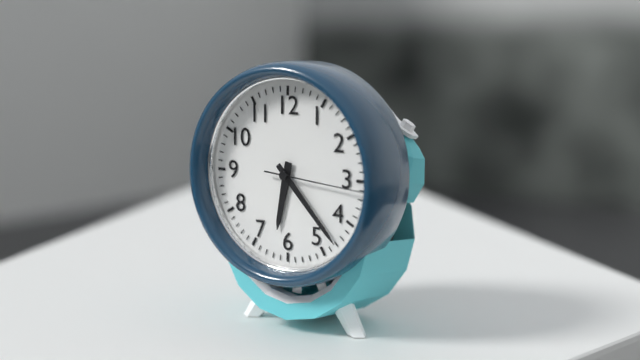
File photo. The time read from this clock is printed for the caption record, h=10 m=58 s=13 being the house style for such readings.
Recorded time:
h=6 m=23 s=16
